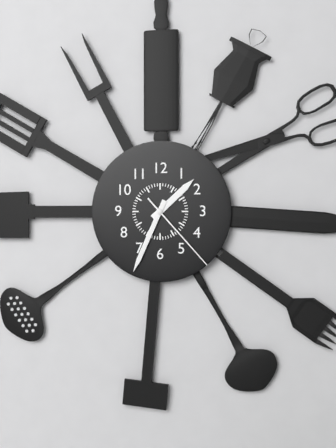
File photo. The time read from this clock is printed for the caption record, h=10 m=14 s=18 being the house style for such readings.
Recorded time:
h=1 m=34 s=23
